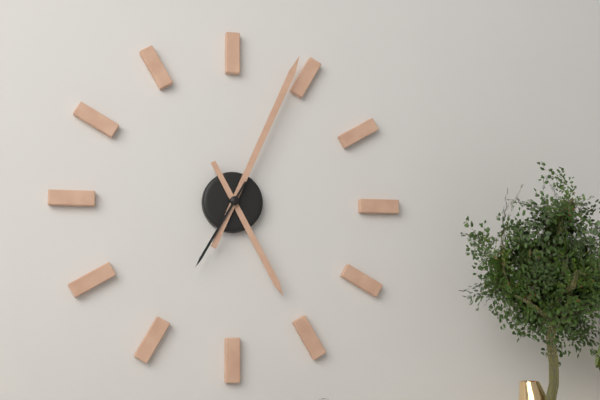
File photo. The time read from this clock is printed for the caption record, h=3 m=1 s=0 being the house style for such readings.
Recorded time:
h=5 m=4 s=35
